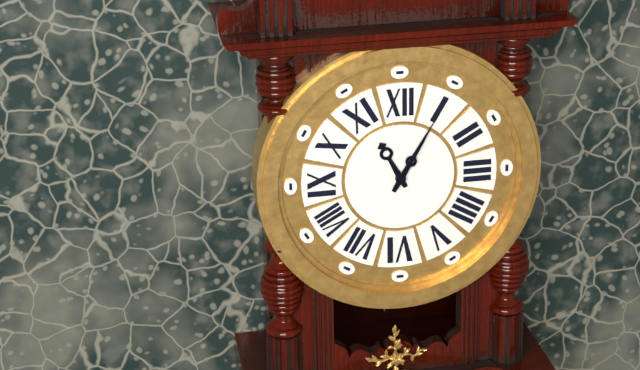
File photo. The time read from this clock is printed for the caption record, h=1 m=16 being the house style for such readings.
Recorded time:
h=11 m=5
